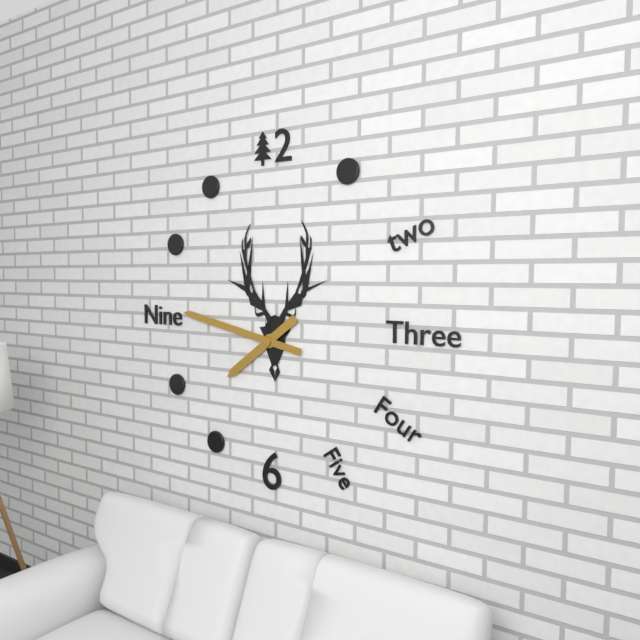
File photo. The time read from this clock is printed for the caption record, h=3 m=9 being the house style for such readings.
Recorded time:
h=7 m=47
